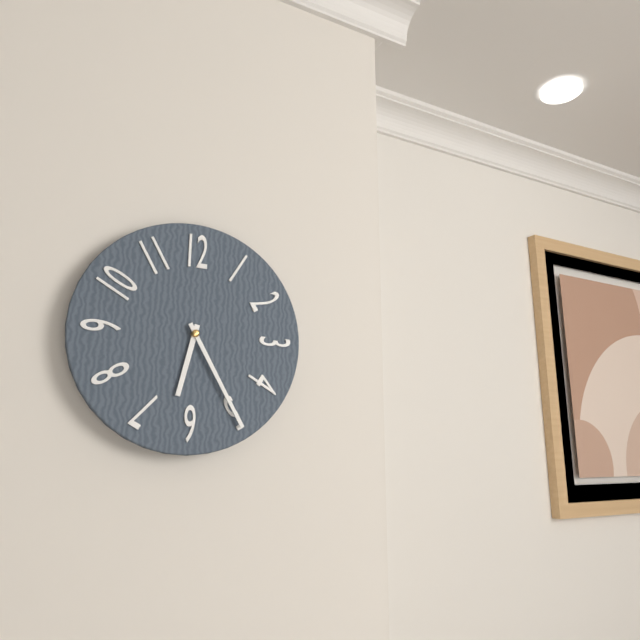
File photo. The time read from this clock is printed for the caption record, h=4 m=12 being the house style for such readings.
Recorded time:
h=6 m=25
